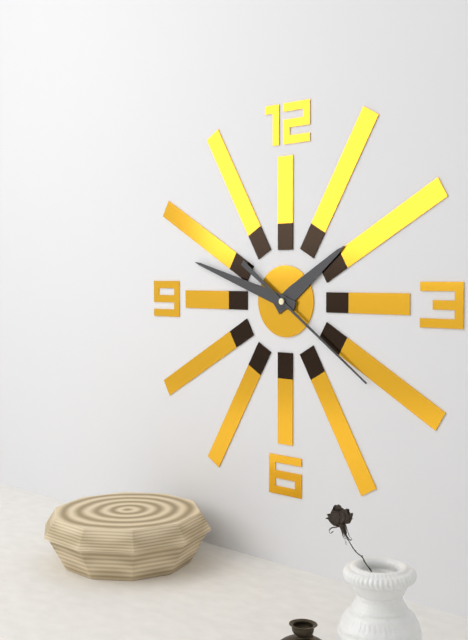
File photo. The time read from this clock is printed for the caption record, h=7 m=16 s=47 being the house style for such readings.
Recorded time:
h=1 m=48 s=21
